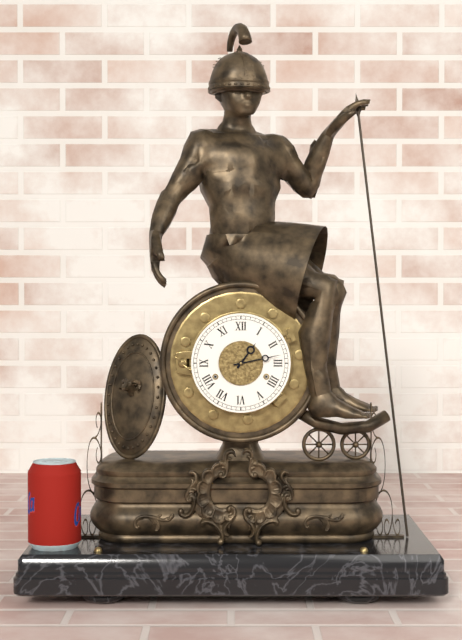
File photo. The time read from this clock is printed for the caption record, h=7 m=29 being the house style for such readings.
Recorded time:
h=1 m=13
